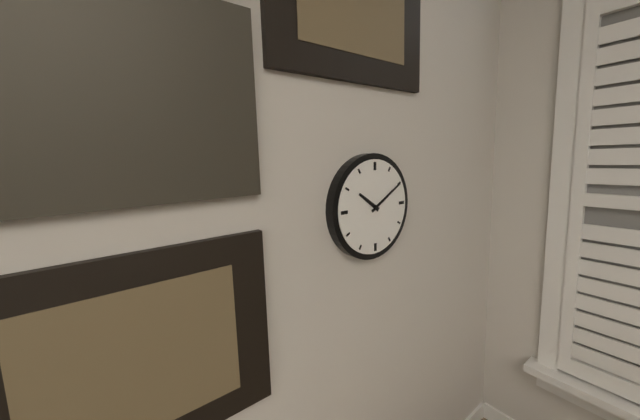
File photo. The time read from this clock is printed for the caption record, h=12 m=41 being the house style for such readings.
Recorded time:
h=10 m=10
